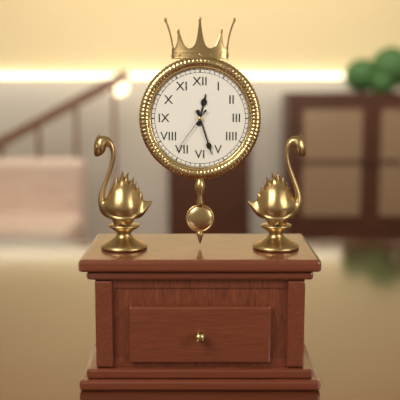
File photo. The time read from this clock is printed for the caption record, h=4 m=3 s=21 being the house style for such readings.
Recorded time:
h=12 m=27 s=36
